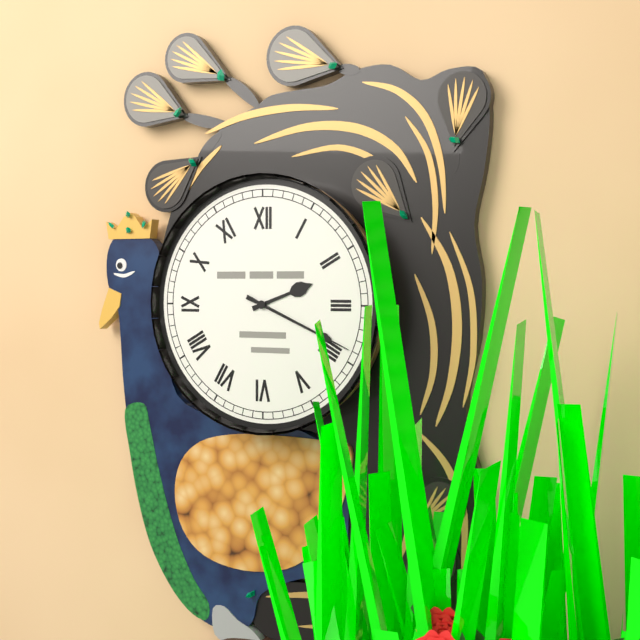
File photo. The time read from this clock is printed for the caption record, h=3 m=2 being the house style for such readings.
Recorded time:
h=2 m=19
